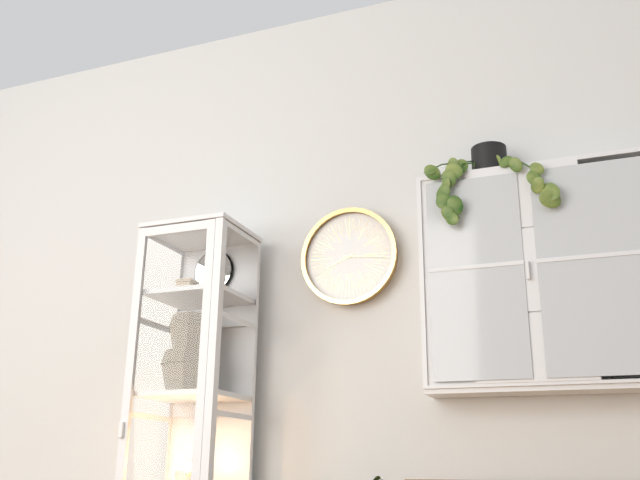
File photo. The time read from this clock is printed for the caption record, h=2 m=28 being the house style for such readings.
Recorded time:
h=8 m=16
